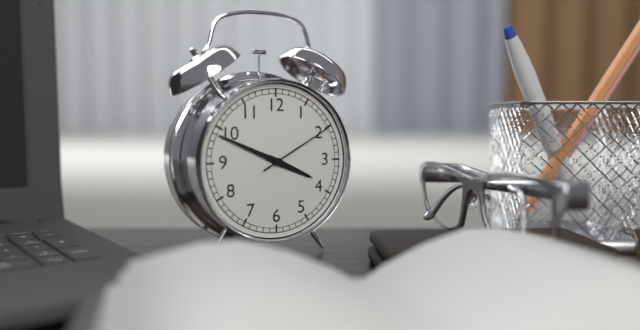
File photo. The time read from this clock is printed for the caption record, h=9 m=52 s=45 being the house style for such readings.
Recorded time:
h=3 m=49 s=10
